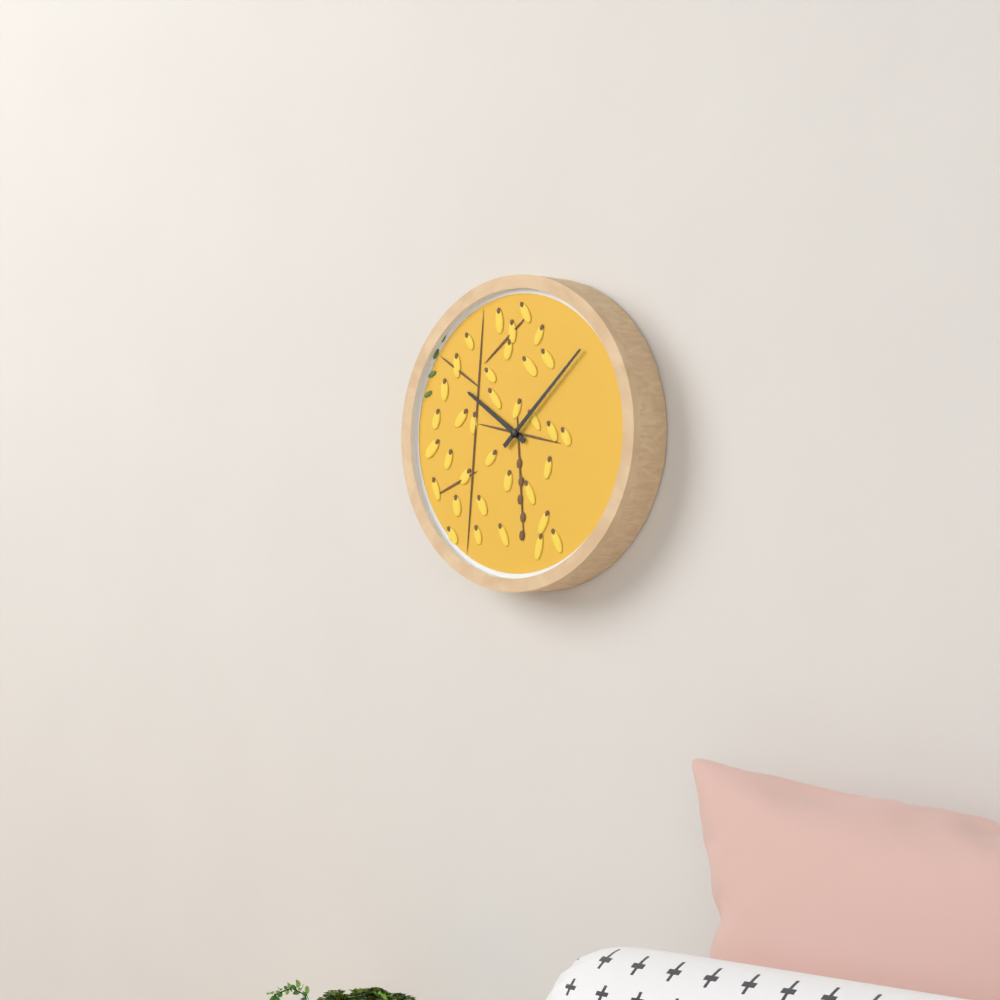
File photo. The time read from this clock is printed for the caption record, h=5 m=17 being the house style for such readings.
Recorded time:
h=10 m=8
